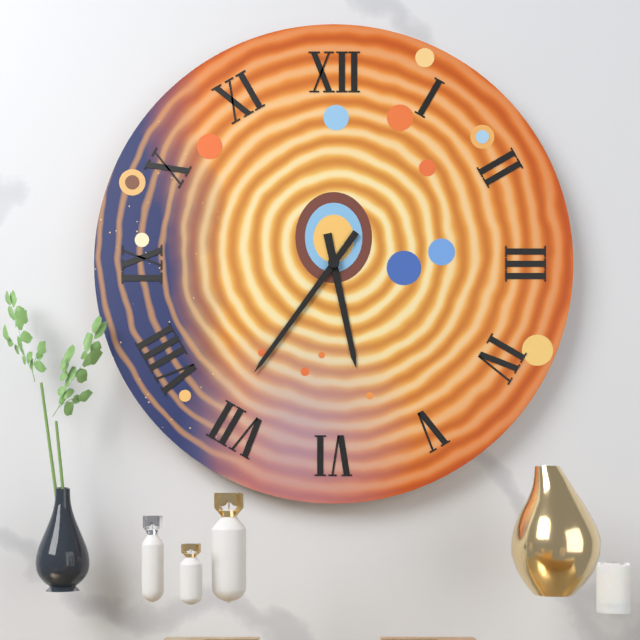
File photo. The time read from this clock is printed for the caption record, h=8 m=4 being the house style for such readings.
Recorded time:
h=5 m=36
